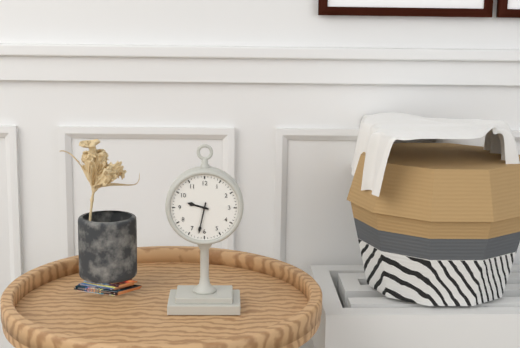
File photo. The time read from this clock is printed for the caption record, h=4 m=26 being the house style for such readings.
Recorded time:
h=9 m=32
